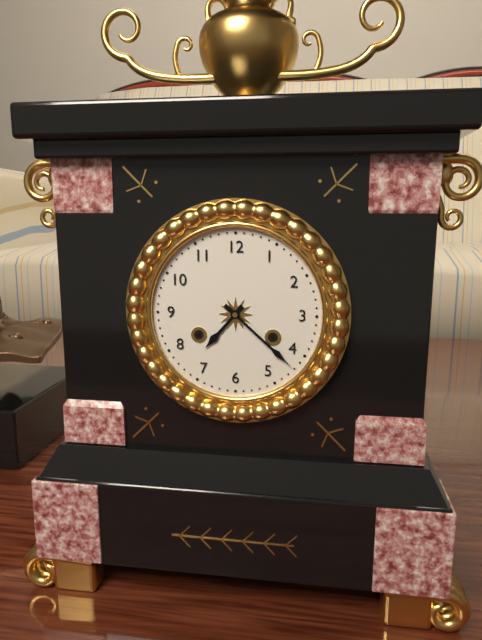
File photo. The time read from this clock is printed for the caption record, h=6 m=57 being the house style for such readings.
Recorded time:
h=7 m=22
